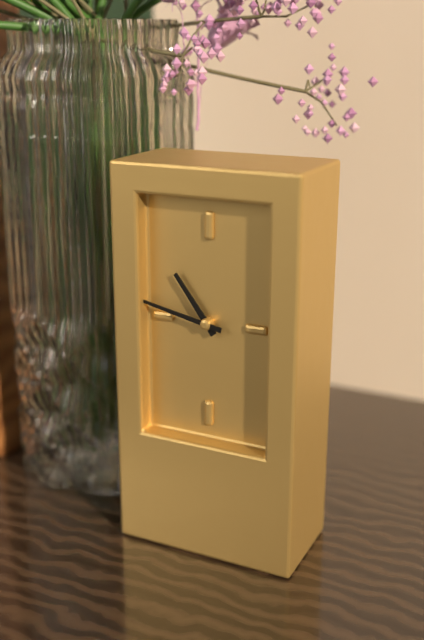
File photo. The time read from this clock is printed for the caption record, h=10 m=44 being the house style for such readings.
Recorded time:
h=10 m=47
